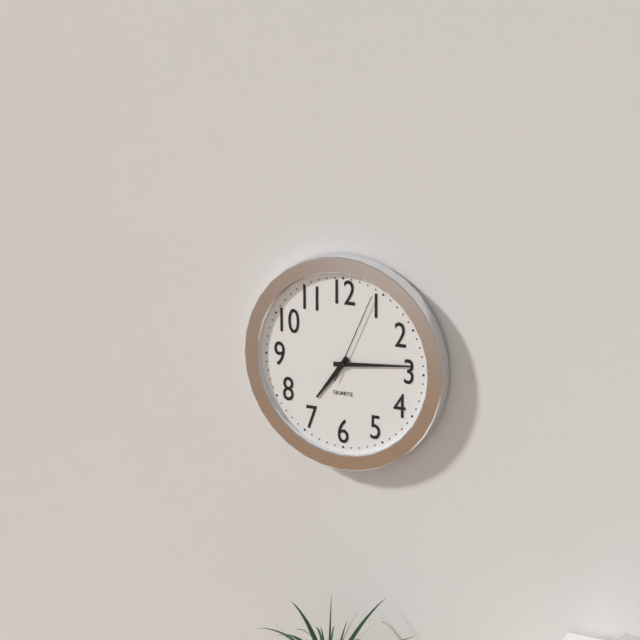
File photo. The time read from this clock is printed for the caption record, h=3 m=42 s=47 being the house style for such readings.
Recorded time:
h=7 m=14 s=4
